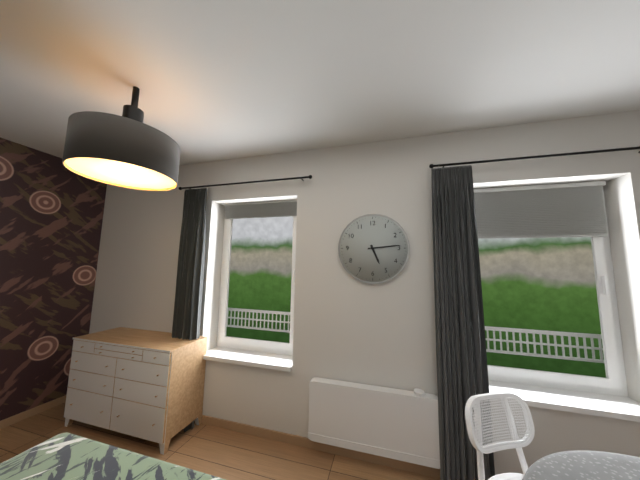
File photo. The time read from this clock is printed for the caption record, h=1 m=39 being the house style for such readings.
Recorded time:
h=5 m=14
